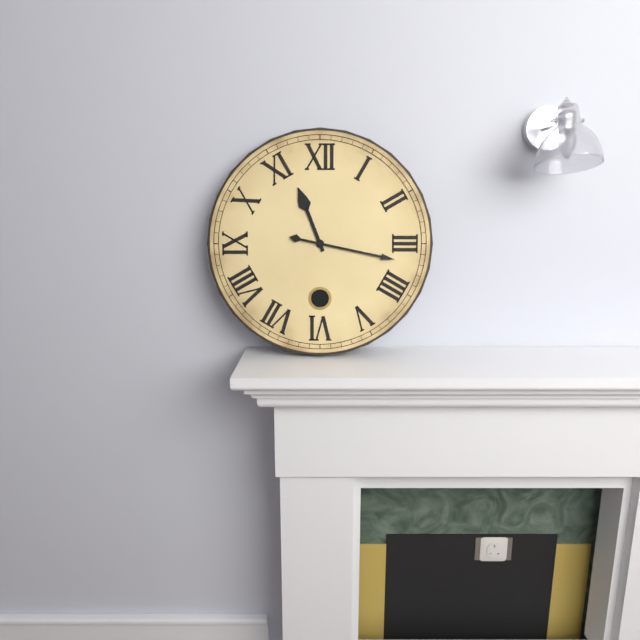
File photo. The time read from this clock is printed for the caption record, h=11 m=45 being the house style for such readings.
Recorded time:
h=11 m=17
